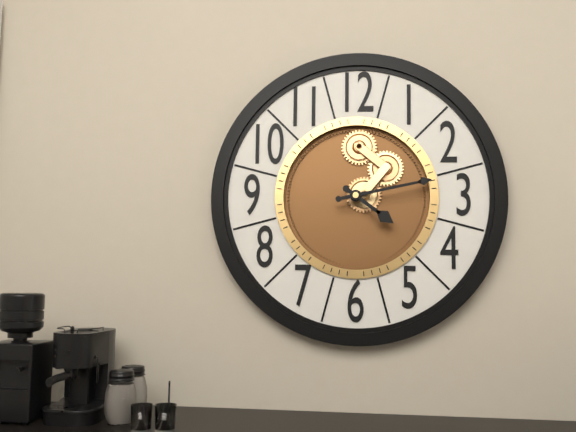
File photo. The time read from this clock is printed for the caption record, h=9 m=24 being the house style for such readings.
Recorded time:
h=4 m=13
